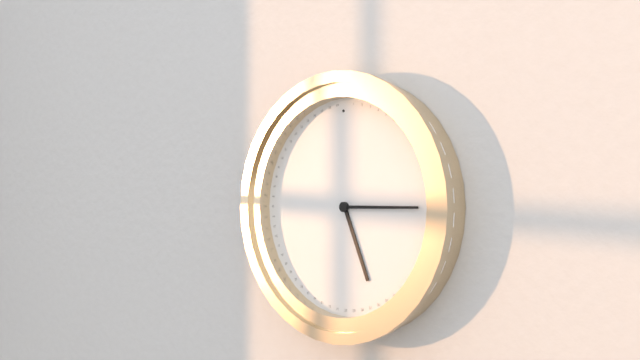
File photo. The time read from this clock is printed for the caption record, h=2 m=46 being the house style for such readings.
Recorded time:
h=5 m=15
